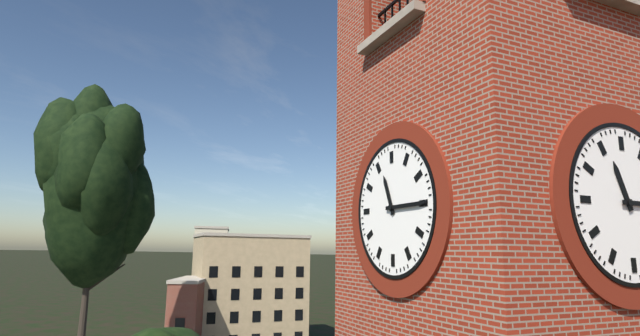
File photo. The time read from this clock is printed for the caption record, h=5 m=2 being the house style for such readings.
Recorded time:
h=11 m=15
